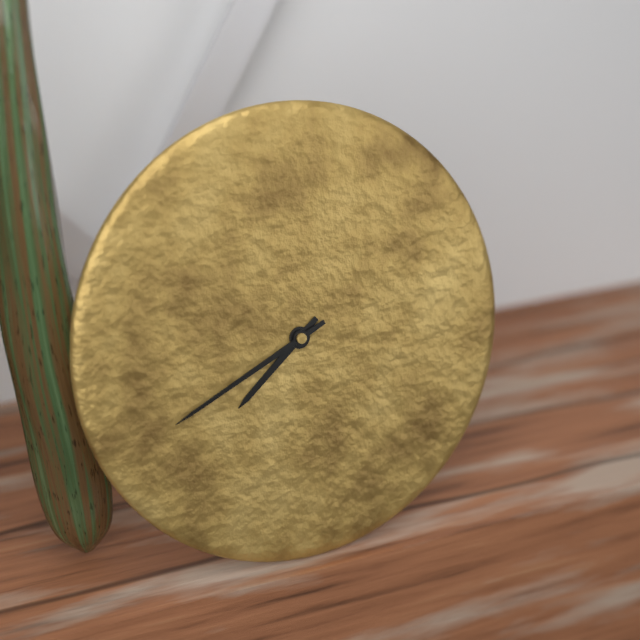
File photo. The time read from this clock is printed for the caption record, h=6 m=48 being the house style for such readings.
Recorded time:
h=7 m=41
